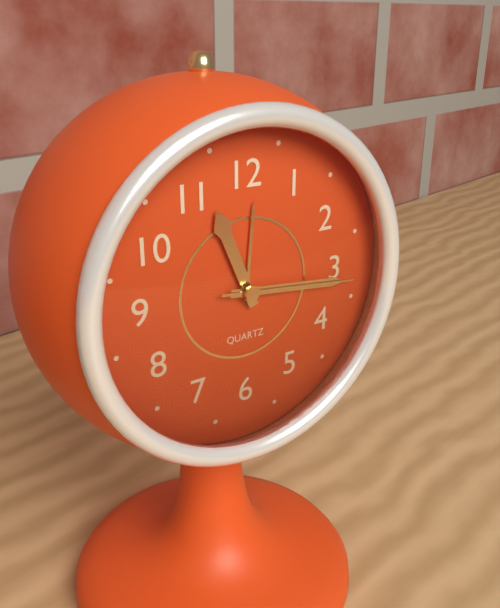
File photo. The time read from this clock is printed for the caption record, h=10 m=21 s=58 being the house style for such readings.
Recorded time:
h=11 m=16 s=16
